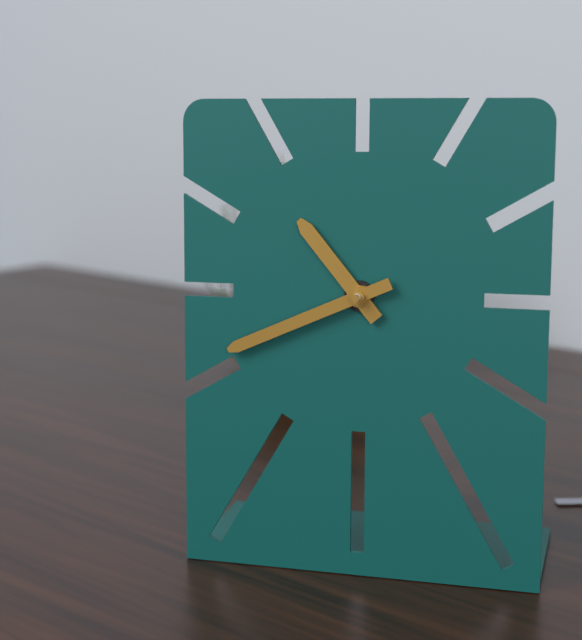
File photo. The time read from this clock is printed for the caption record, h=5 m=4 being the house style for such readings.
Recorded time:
h=10 m=41
